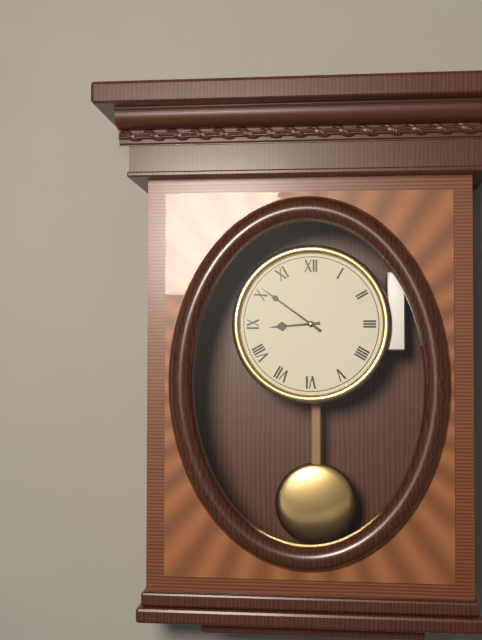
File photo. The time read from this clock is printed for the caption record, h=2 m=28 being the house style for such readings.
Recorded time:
h=8 m=51
